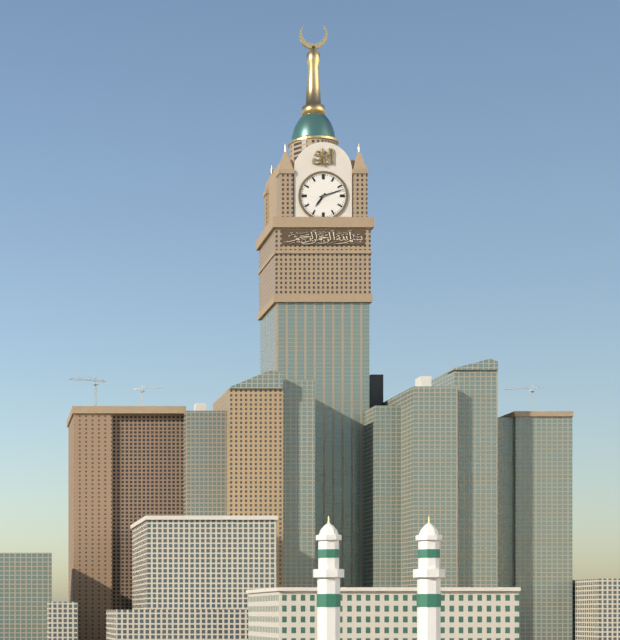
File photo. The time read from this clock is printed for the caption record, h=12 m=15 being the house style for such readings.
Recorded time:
h=7 m=12
